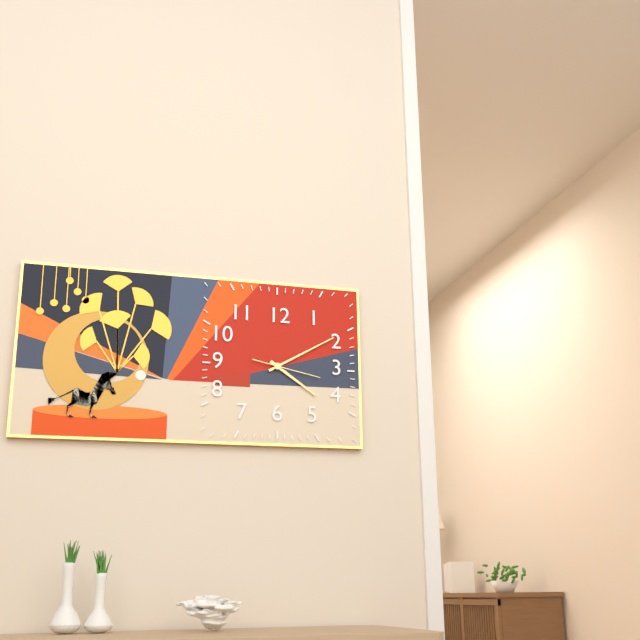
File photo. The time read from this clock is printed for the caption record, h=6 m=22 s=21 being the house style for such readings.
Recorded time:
h=4 m=10 s=17
